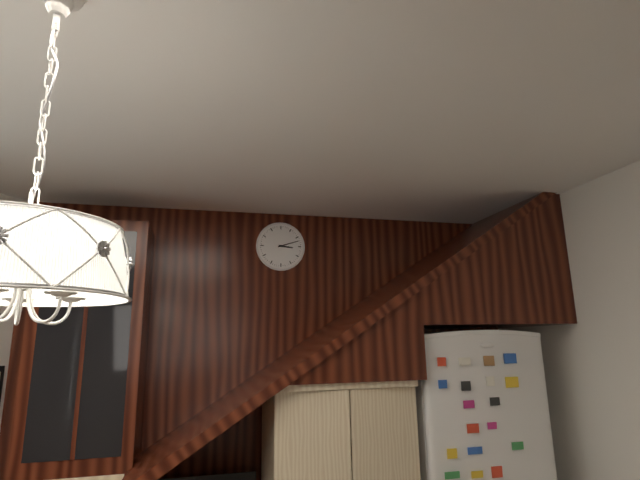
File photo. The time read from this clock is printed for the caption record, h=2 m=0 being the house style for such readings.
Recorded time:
h=3 m=12
